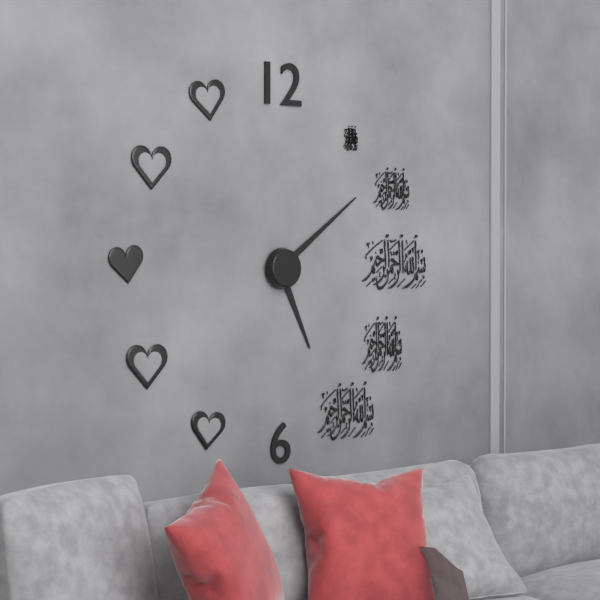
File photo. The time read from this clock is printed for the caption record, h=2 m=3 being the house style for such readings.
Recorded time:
h=5 m=9
